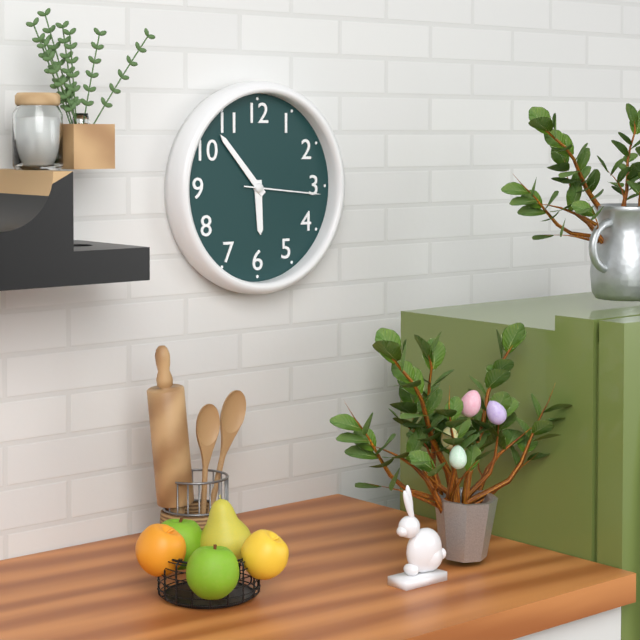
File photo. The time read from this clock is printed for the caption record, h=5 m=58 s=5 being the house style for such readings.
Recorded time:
h=5 m=53 s=16
